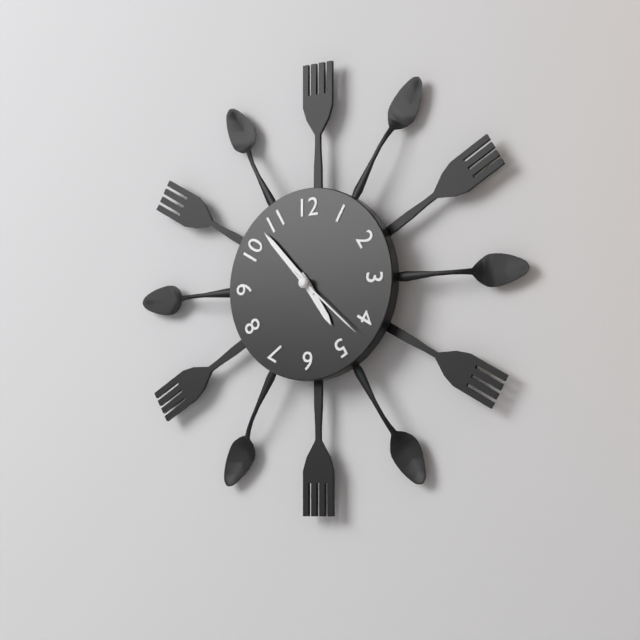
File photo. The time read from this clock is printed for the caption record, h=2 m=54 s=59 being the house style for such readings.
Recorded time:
h=4 m=53 s=22
